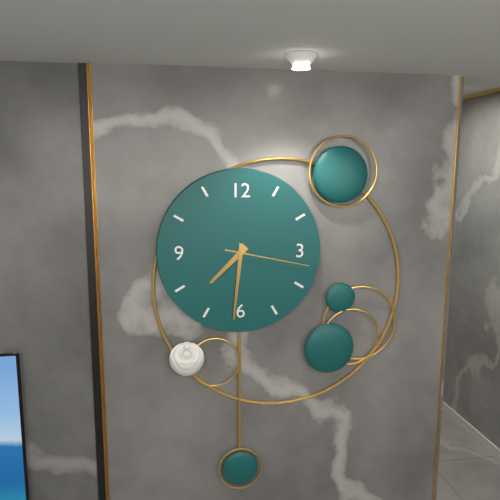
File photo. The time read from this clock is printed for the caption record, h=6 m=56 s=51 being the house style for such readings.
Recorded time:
h=7 m=31 s=17
